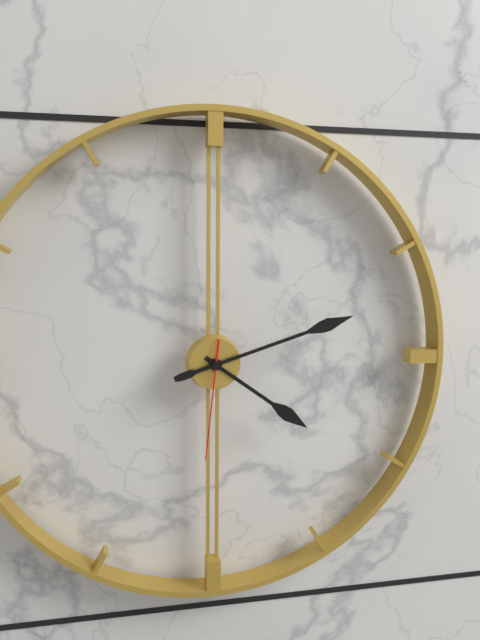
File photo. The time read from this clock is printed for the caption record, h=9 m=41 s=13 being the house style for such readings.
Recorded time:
h=4 m=12 s=31
